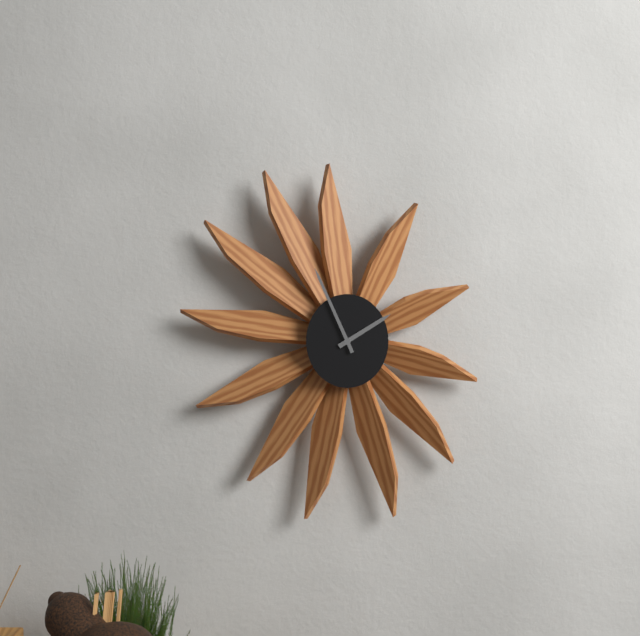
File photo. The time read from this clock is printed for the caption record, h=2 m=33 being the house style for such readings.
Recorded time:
h=1 m=56
